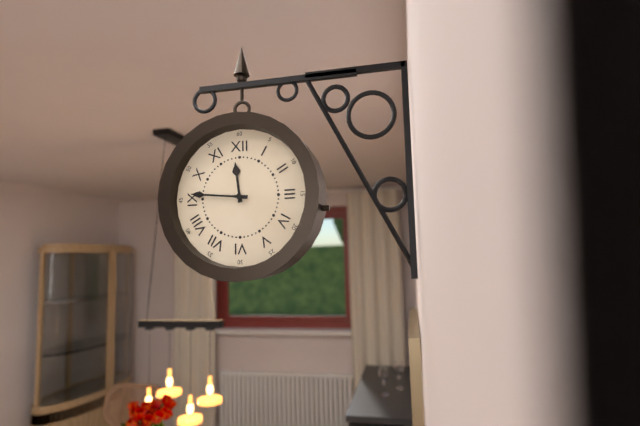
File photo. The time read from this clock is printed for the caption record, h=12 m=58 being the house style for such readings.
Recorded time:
h=11 m=46
